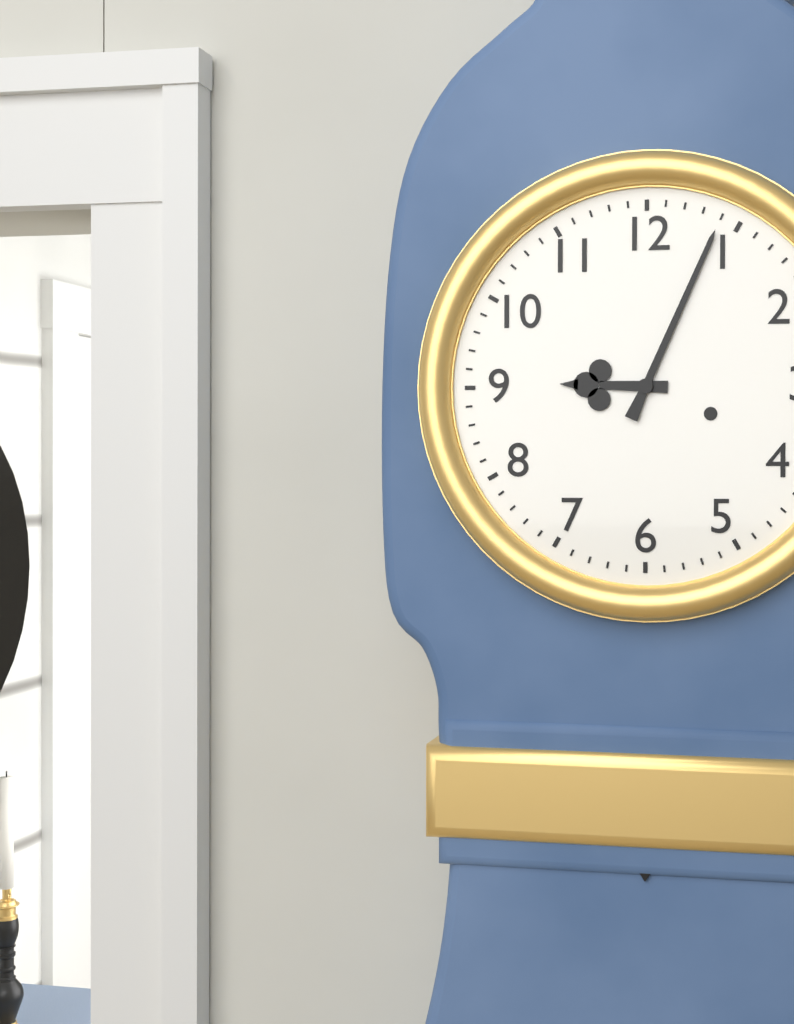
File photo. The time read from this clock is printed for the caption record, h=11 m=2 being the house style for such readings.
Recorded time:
h=9 m=4
